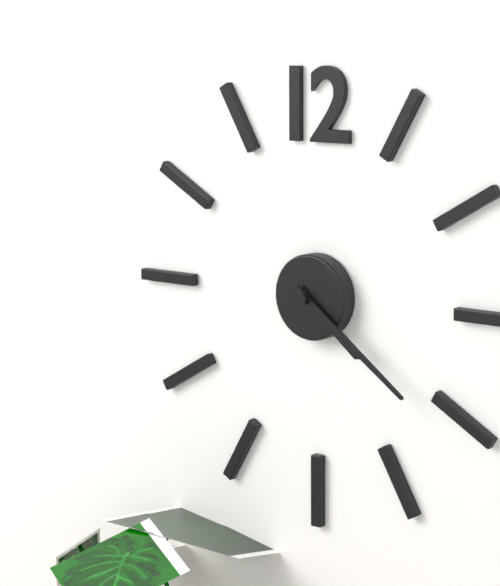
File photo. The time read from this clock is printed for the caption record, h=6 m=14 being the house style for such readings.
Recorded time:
h=4 m=21
